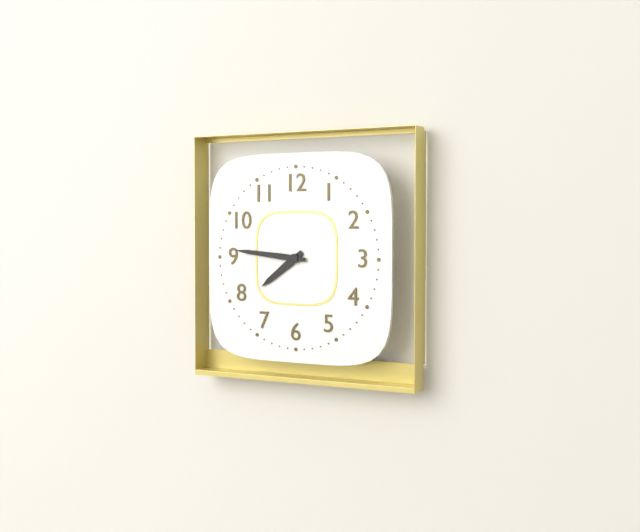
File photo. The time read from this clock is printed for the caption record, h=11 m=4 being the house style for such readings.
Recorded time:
h=7 m=46
